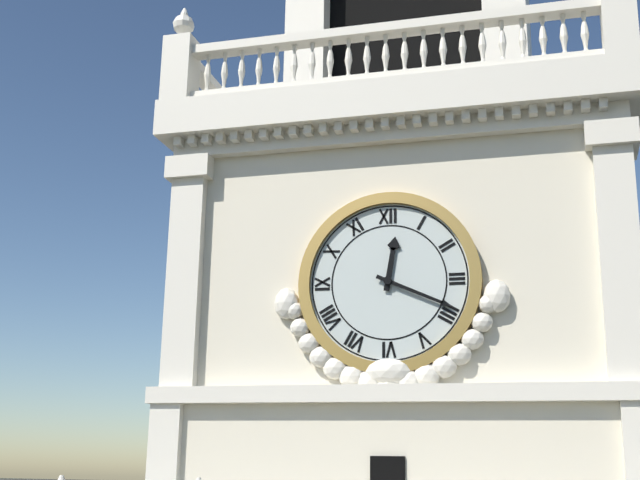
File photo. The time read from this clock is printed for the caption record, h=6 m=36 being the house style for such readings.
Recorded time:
h=12 m=19
